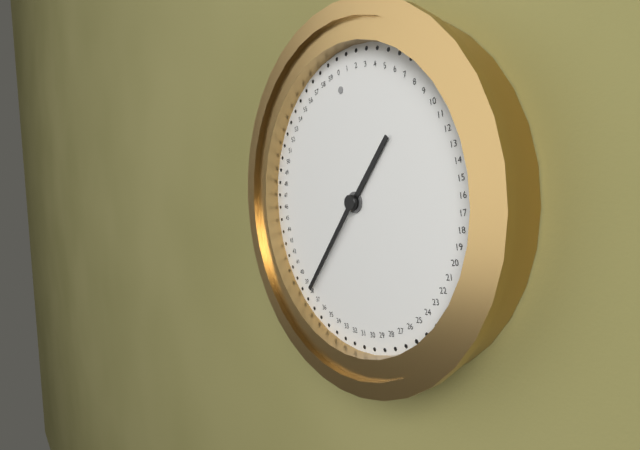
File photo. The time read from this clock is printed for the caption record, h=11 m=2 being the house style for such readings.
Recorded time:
h=1 m=38
